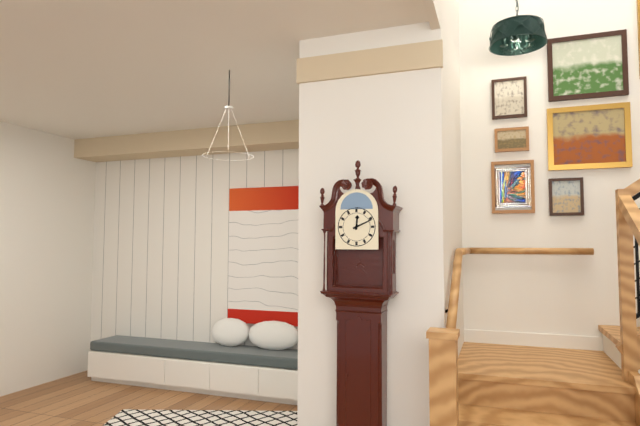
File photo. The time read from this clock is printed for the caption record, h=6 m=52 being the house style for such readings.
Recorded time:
h=12 m=11
